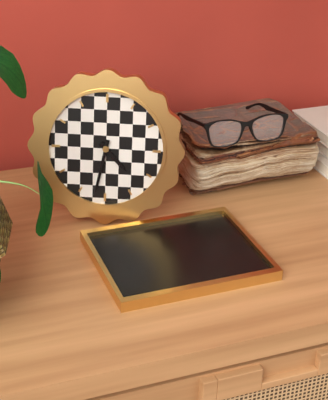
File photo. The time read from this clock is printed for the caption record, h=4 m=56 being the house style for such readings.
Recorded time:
h=4 m=32
